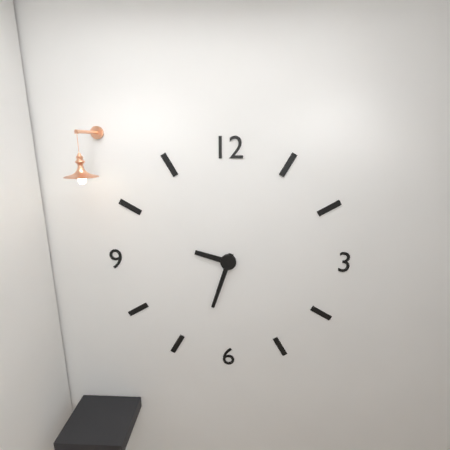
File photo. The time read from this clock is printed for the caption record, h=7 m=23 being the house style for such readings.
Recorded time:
h=9 m=33
